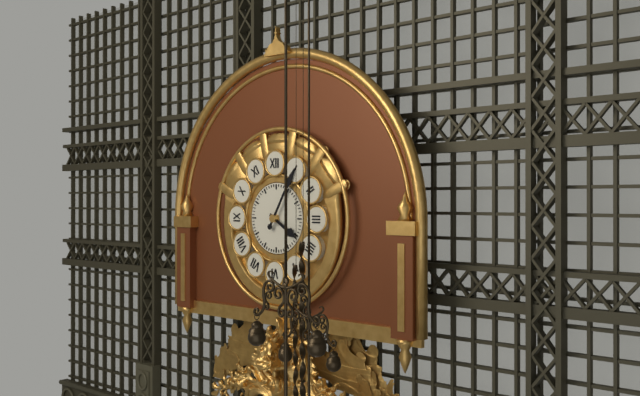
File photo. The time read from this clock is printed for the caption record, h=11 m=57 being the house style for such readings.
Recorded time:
h=4 m=5
